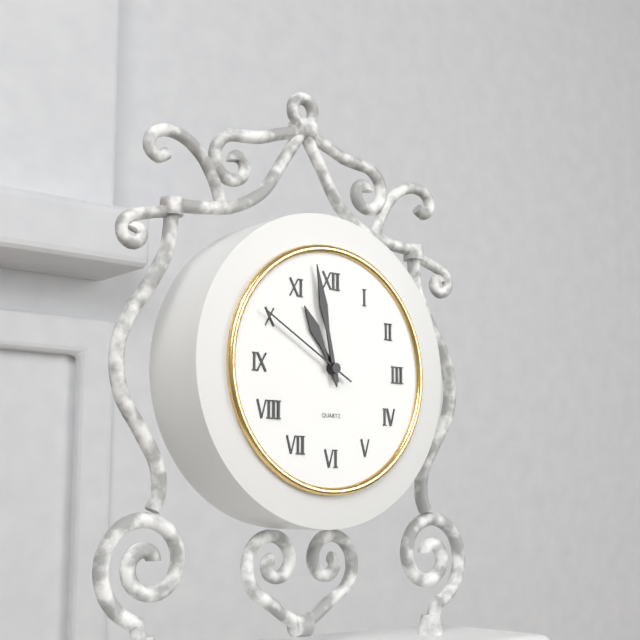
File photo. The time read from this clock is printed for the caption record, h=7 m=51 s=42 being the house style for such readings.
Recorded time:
h=10 m=58 s=50
